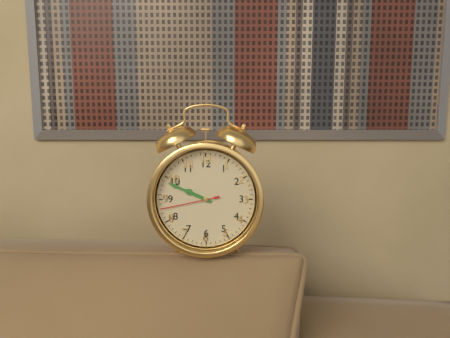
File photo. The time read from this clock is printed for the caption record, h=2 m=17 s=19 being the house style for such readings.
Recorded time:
h=9 m=49 s=43
